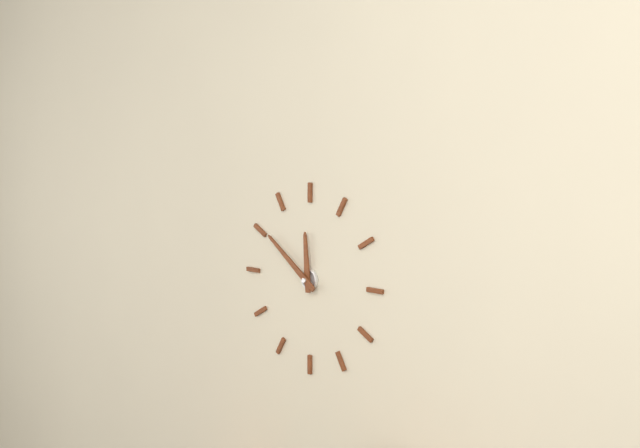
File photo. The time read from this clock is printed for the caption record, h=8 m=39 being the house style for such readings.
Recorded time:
h=11 m=51
